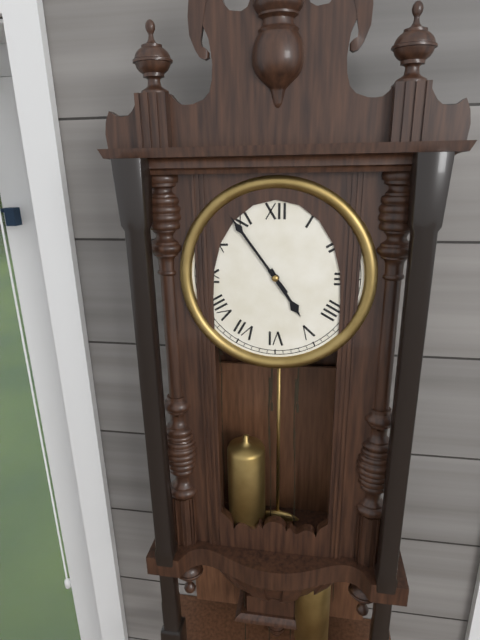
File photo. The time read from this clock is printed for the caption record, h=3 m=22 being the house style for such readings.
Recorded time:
h=4 m=54
